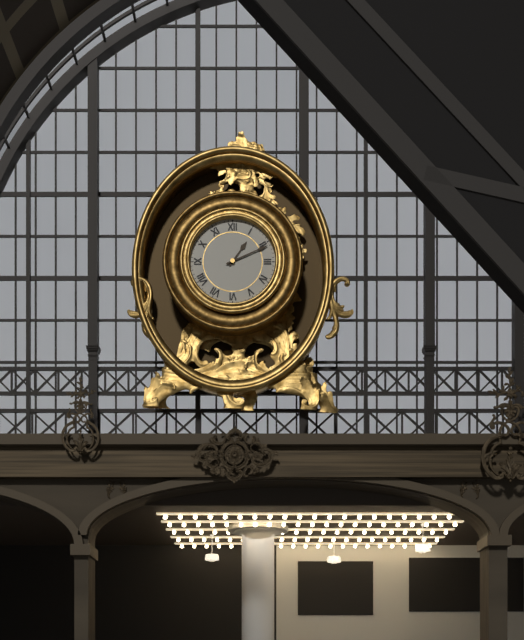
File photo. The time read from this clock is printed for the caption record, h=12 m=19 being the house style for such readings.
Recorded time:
h=1 m=11
